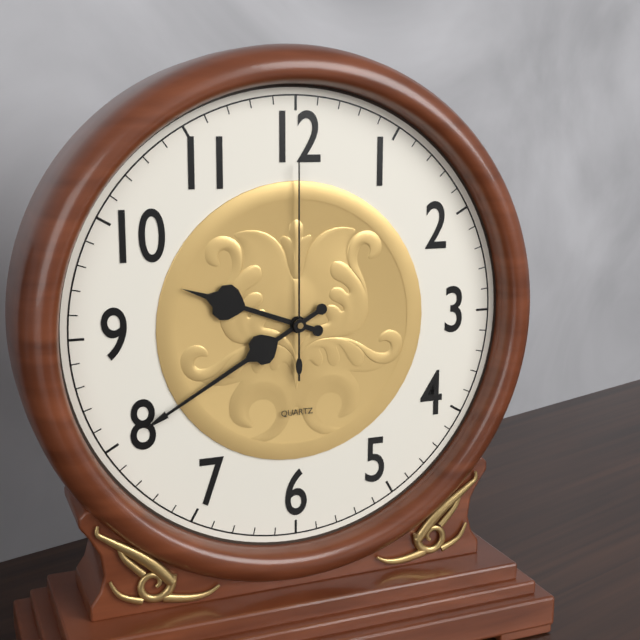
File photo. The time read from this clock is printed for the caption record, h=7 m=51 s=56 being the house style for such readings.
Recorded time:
h=9 m=40 s=0
